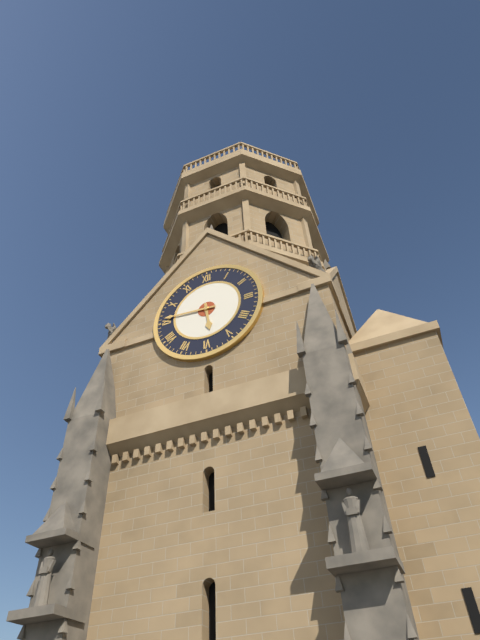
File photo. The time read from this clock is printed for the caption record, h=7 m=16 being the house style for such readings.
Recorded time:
h=5 m=46
